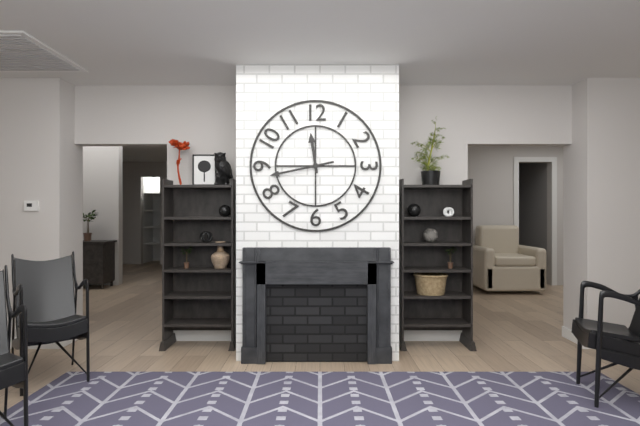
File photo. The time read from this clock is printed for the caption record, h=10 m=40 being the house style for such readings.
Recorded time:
h=11 m=43
